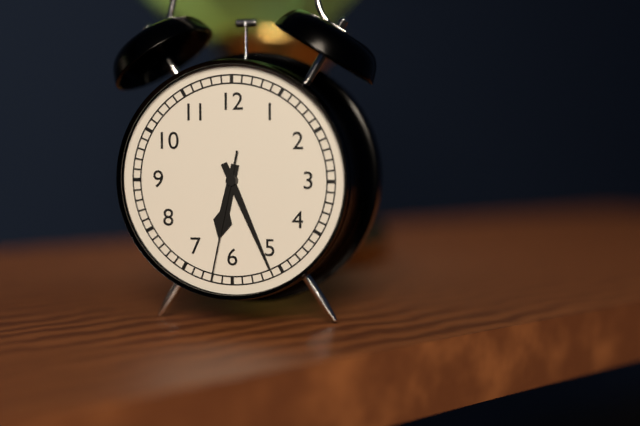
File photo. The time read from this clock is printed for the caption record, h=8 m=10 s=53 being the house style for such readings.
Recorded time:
h=6 m=26 s=32
